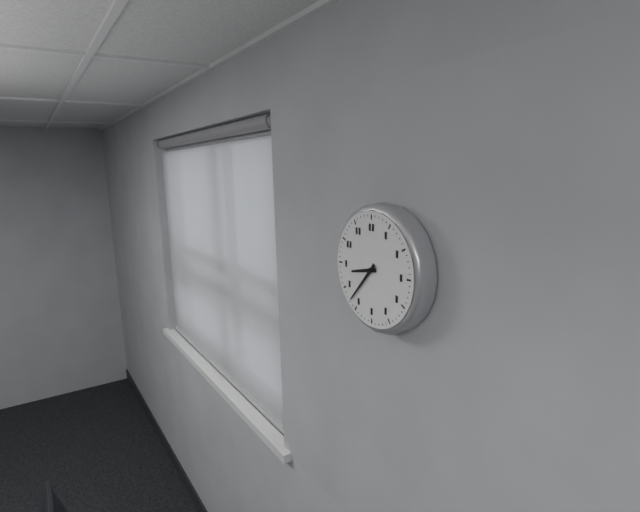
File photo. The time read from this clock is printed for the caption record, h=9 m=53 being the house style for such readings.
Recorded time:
h=8 m=37
